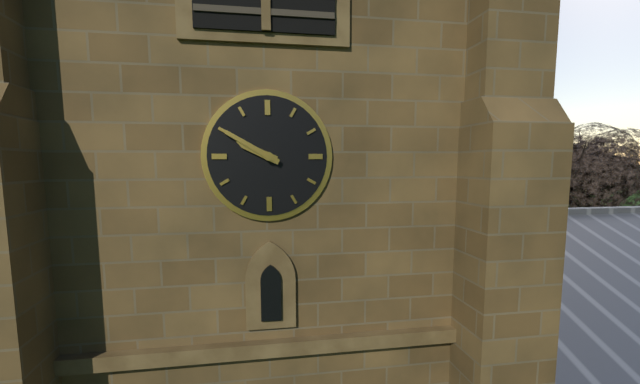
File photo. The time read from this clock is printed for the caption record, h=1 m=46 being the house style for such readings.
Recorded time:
h=9 m=50
